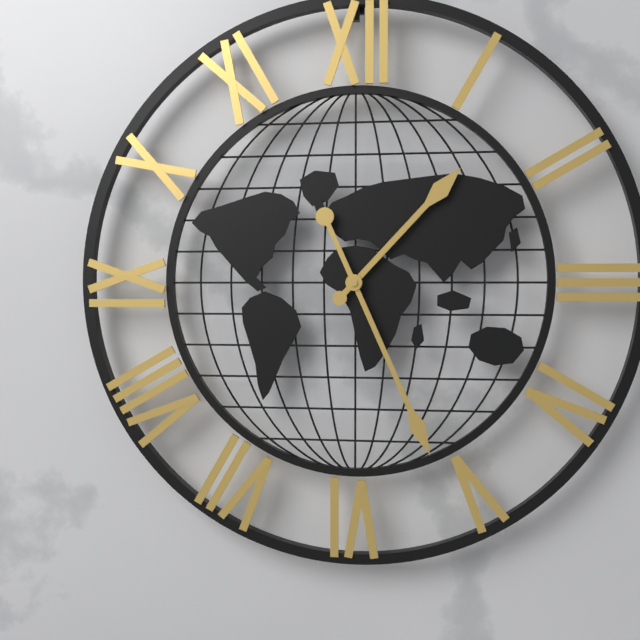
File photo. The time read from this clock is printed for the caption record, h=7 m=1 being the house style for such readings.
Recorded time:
h=1 m=26
